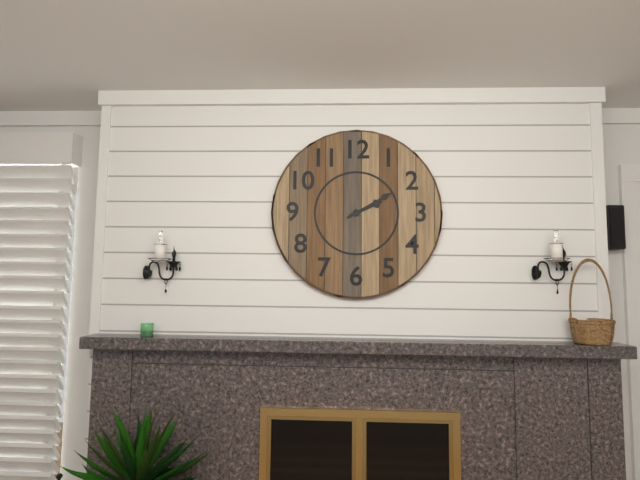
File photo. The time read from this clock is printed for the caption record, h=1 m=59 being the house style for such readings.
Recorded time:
h=2 m=10
